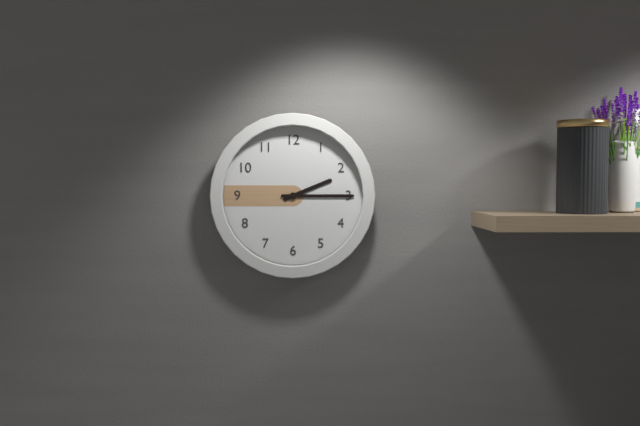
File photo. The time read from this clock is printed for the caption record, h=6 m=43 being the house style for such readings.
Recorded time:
h=2 m=15
